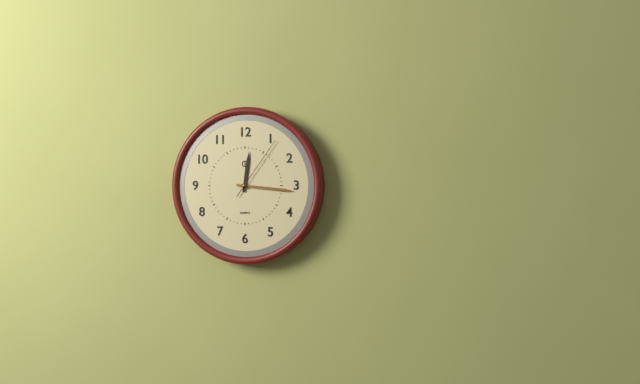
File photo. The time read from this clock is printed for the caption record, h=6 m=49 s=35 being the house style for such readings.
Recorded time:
h=12 m=16 s=6
